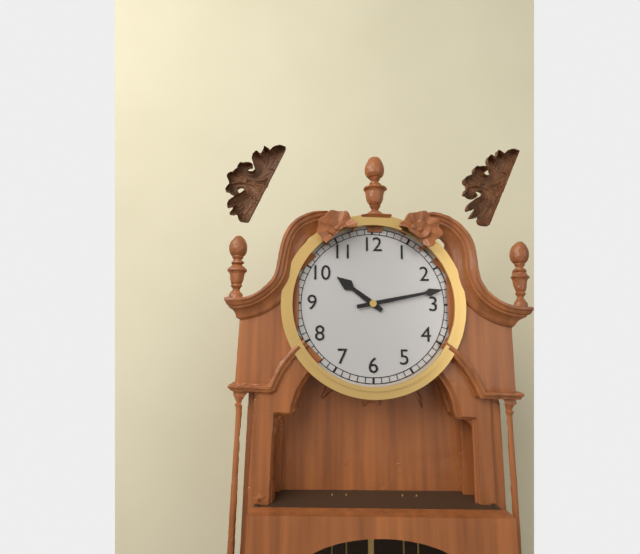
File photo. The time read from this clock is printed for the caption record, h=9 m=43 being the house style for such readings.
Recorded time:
h=10 m=13
